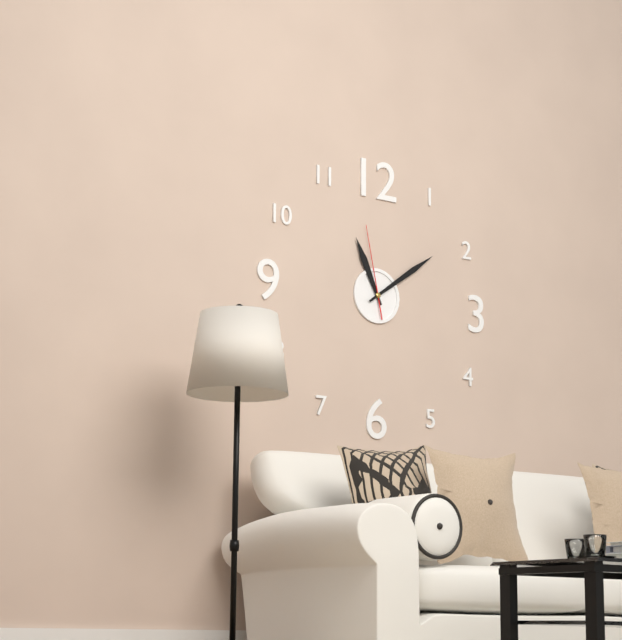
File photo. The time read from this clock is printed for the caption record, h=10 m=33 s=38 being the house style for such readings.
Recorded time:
h=11 m=9 s=58
